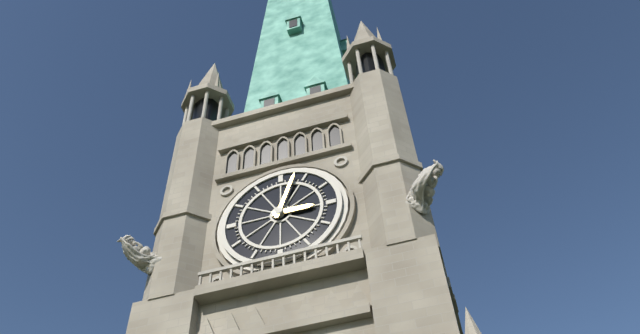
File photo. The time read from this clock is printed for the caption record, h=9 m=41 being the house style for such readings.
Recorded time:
h=3 m=3
